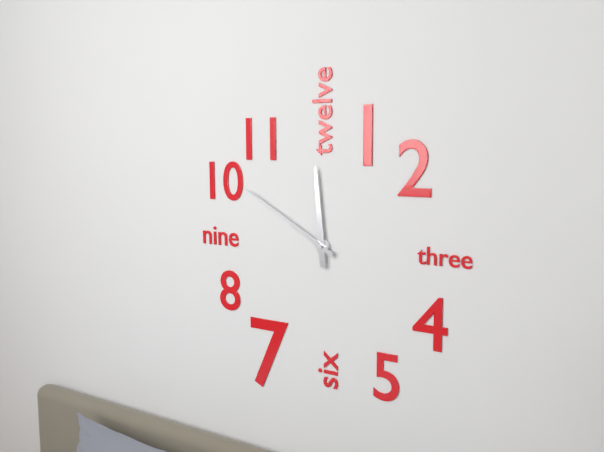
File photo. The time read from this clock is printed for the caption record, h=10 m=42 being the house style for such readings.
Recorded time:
h=11 m=50
